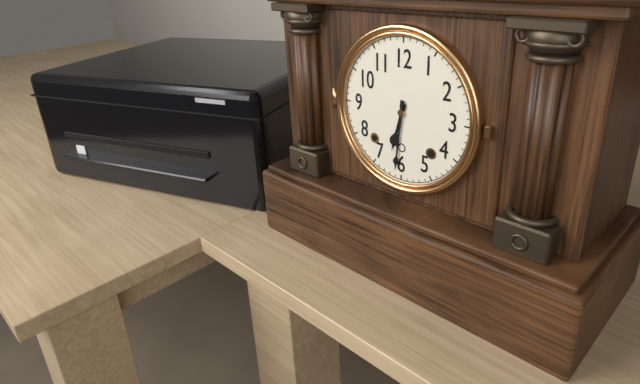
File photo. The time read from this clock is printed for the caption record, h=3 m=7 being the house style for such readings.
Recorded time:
h=6 m=31
